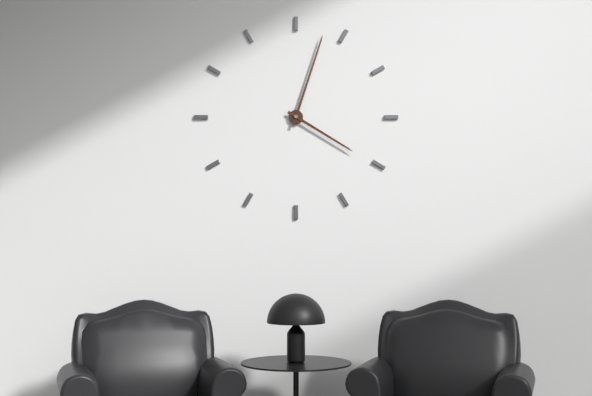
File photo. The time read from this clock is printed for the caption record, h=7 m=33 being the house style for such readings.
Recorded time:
h=4 m=3
